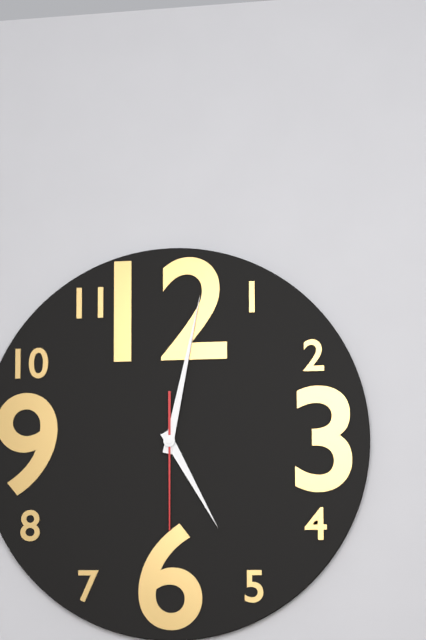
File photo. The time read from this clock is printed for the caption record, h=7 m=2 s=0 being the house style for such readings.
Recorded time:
h=5 m=2 s=30
